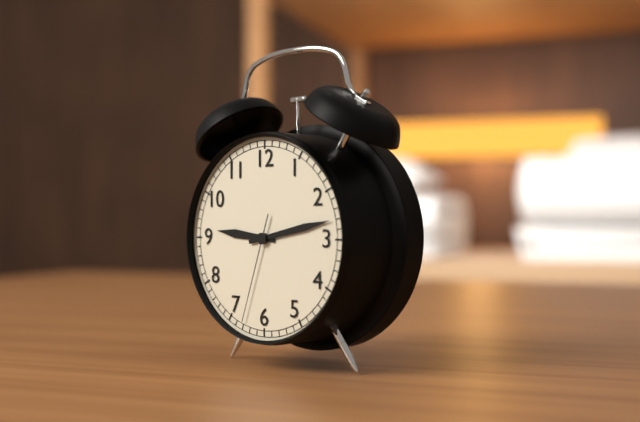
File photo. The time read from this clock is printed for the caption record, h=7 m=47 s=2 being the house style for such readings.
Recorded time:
h=9 m=13 s=33
